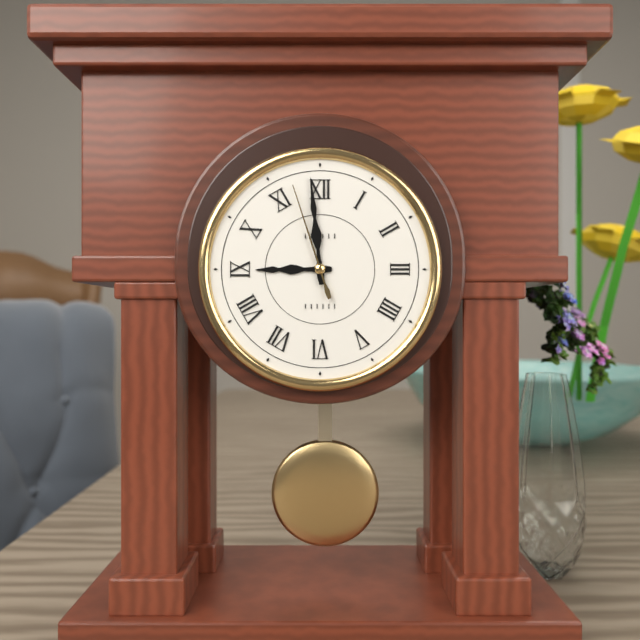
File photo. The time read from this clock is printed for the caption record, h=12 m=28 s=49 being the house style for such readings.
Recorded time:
h=8 m=59 s=57
